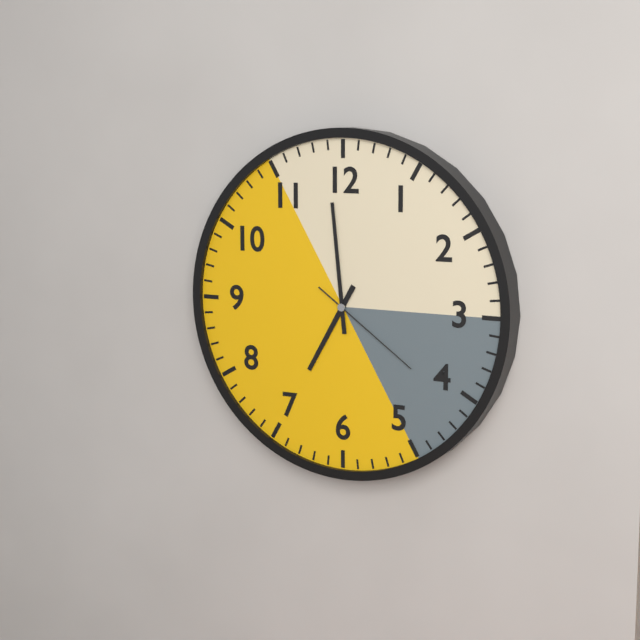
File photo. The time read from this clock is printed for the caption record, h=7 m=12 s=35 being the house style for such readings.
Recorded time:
h=6 m=59 s=21
